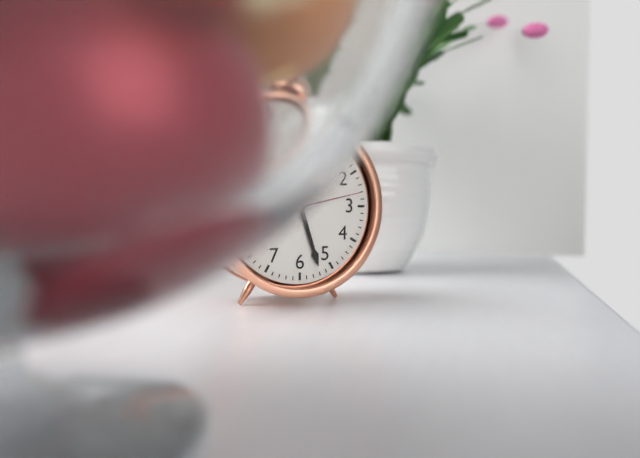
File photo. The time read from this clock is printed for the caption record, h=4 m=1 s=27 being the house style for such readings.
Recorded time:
h=11 m=27 s=13
